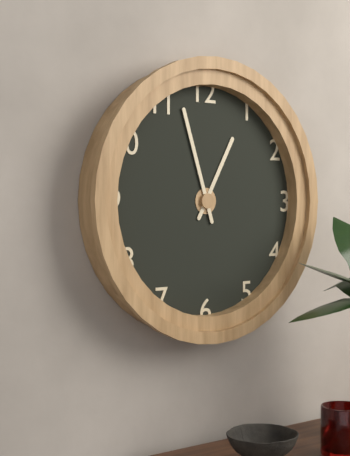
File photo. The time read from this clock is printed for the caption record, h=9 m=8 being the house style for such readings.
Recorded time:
h=12 m=57
